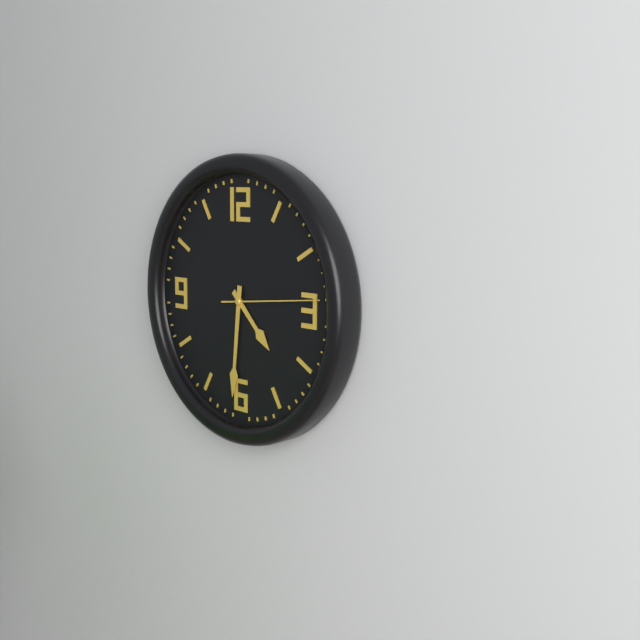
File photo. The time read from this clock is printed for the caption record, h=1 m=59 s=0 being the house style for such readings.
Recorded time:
h=4 m=31 s=14
